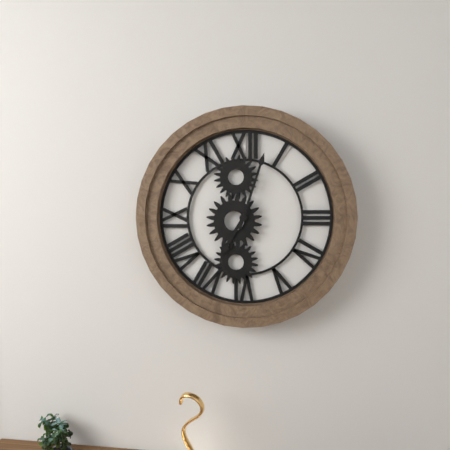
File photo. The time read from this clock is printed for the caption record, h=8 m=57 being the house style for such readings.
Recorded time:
h=7 m=3
